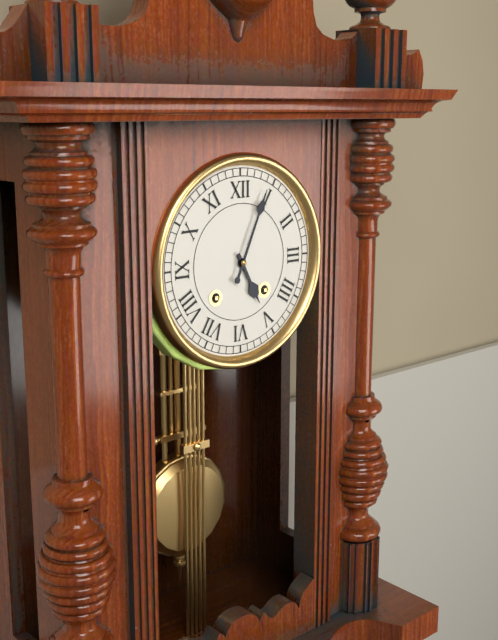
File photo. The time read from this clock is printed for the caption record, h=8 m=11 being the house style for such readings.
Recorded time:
h=5 m=4
